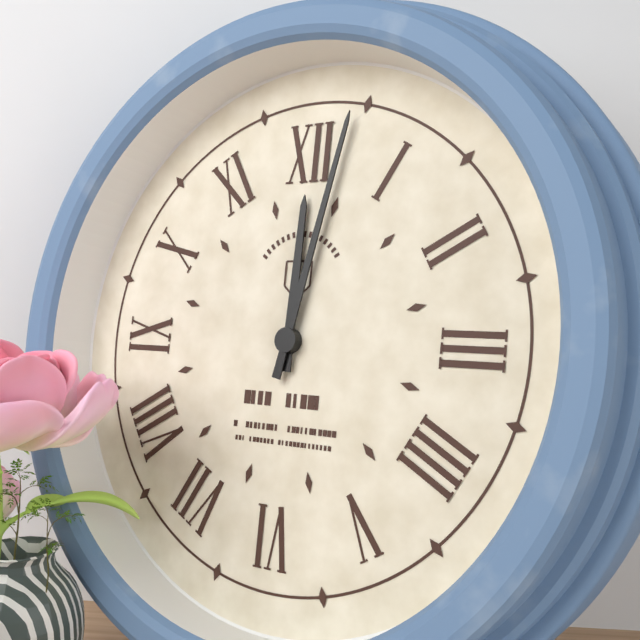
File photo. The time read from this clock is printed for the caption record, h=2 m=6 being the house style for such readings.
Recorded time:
h=12 m=2
